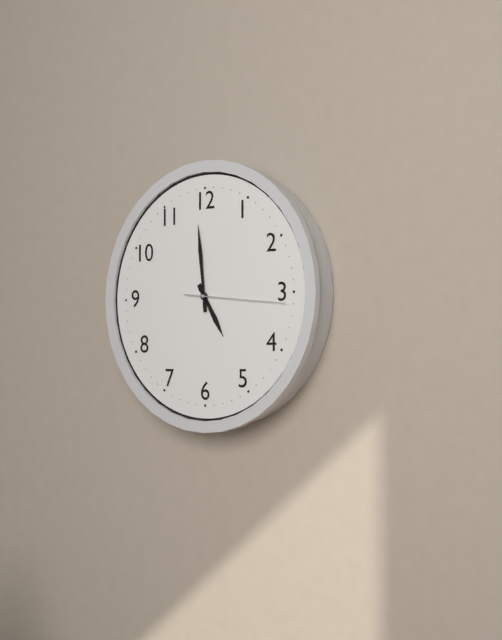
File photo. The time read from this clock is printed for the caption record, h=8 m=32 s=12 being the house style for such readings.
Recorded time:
h=4 m=59 s=16
